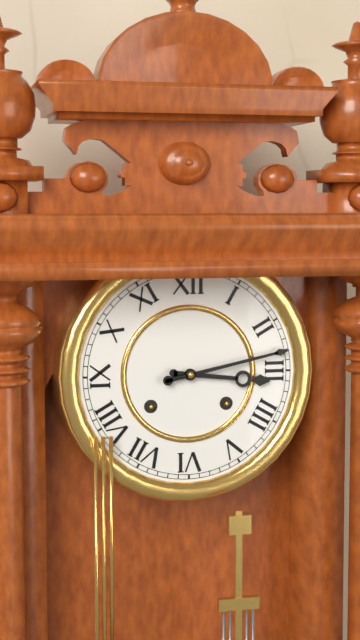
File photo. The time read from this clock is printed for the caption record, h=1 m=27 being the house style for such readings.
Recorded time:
h=3 m=13
